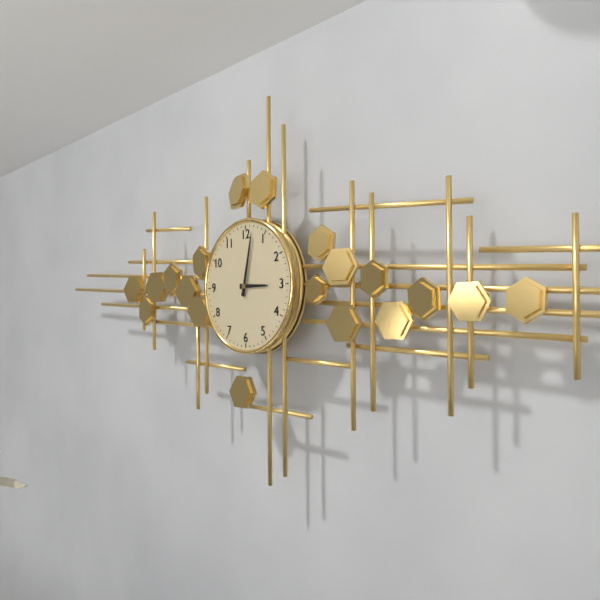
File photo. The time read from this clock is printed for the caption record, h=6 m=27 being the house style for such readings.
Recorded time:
h=3 m=2
